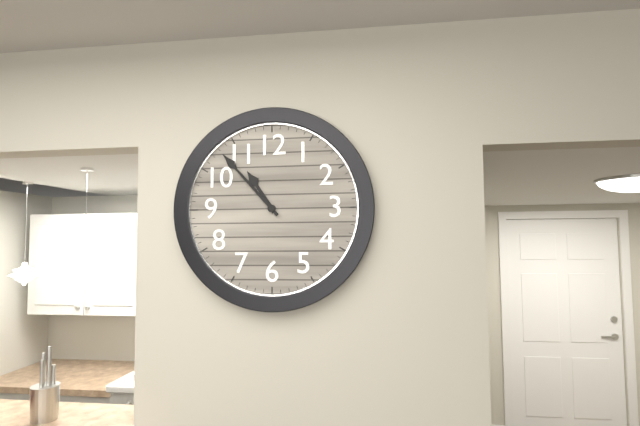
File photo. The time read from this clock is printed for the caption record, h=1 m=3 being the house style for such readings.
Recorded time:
h=10 m=53
